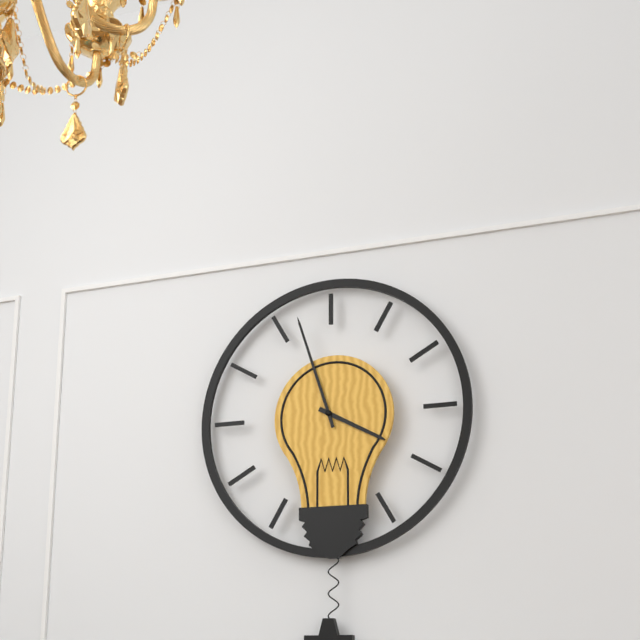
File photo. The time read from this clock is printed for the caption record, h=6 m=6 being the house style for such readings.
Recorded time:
h=3 m=57
